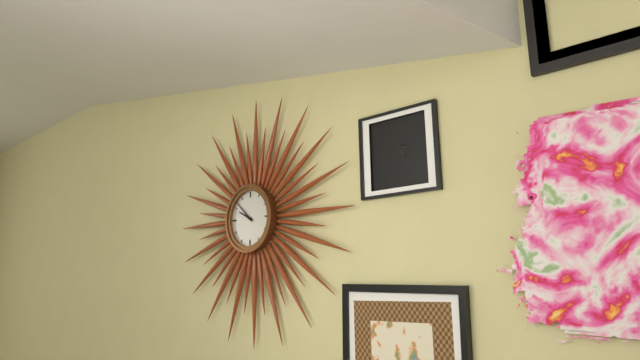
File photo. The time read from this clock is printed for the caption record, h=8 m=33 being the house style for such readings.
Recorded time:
h=9 m=52
